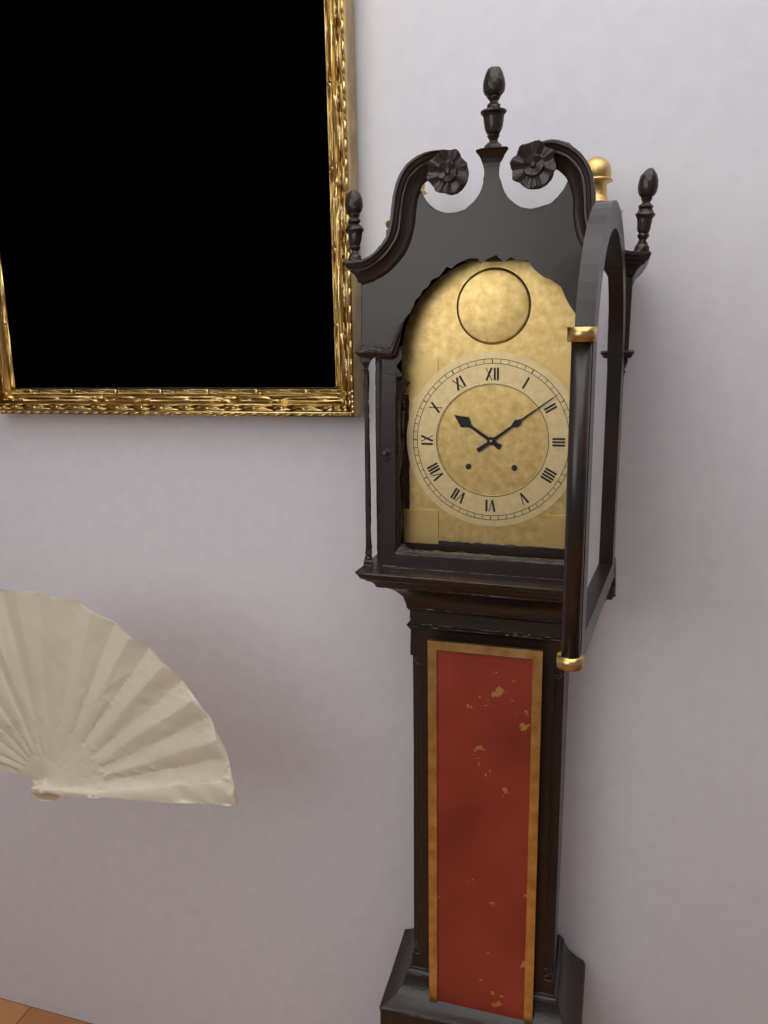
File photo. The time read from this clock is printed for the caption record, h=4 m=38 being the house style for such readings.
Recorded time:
h=10 m=9
